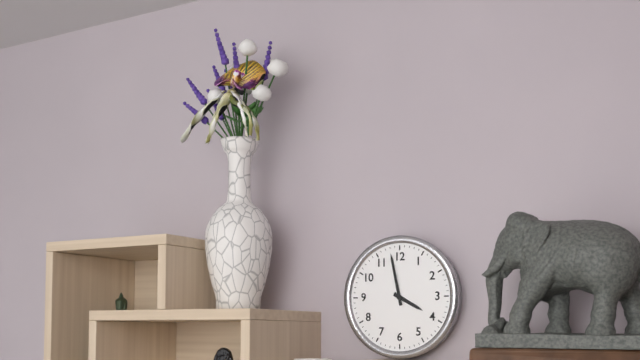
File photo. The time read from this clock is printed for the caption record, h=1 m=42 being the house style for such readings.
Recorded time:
h=3 m=58
